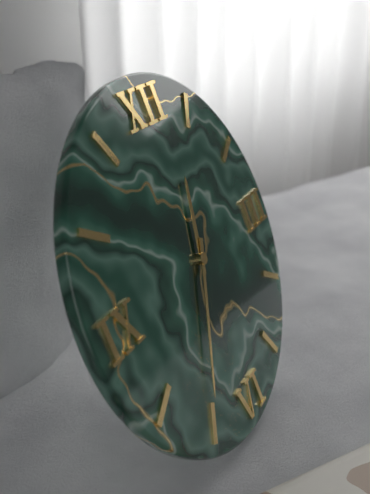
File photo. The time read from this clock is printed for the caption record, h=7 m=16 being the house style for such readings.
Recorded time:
h=12 m=35
